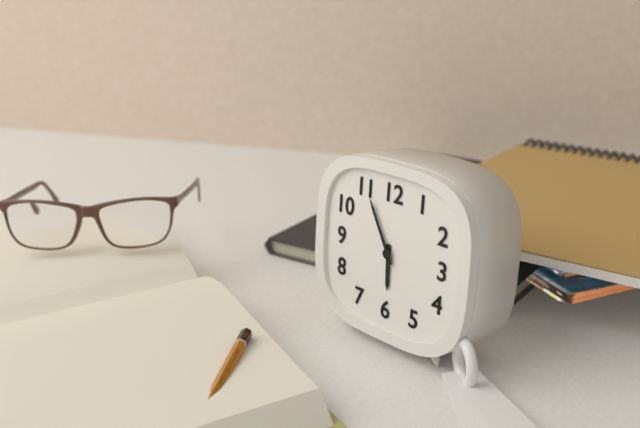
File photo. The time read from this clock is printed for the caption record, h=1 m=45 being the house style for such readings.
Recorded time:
h=5 m=55
